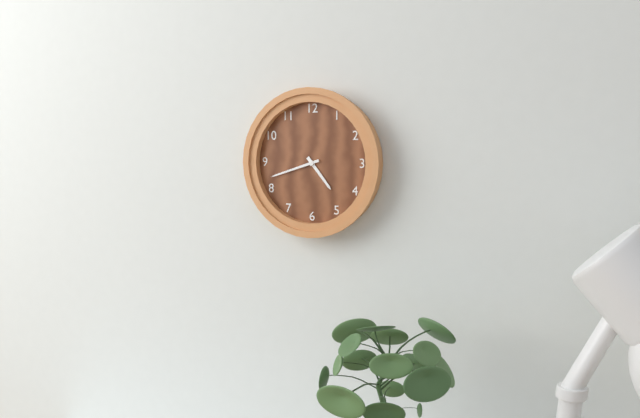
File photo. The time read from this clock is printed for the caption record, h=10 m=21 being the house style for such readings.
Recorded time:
h=4 m=42
